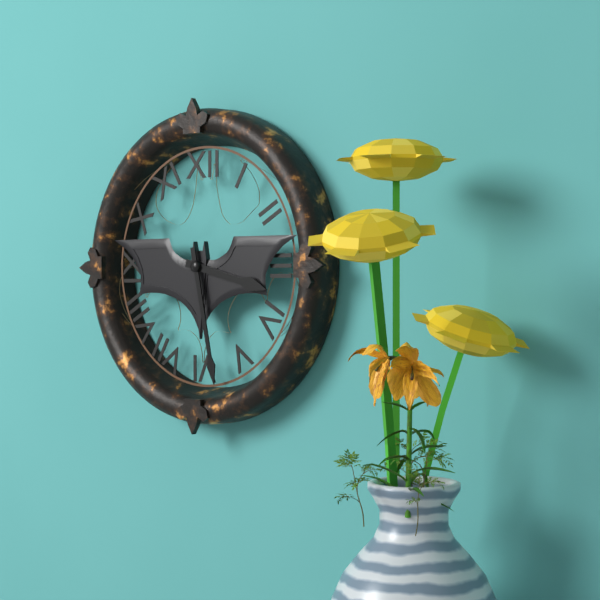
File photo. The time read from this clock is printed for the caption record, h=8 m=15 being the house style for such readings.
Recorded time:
h=3 m=28
